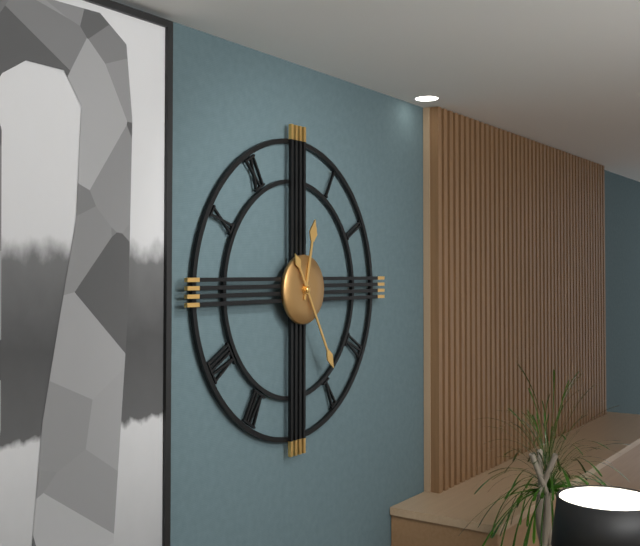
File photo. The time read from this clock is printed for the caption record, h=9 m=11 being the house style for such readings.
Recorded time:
h=12 m=25
